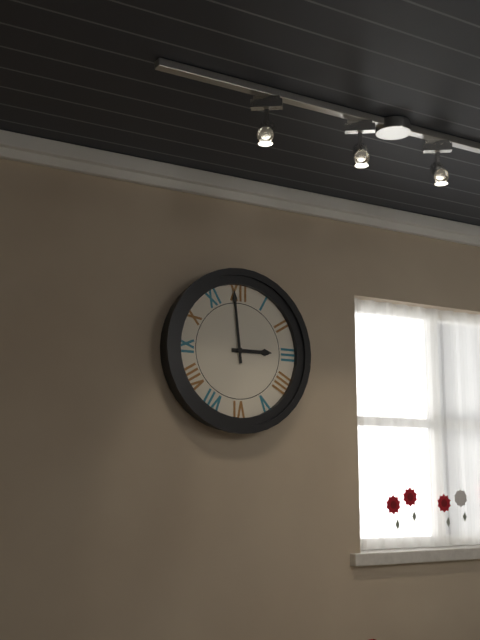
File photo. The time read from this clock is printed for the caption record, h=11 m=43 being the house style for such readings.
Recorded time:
h=2 m=59
